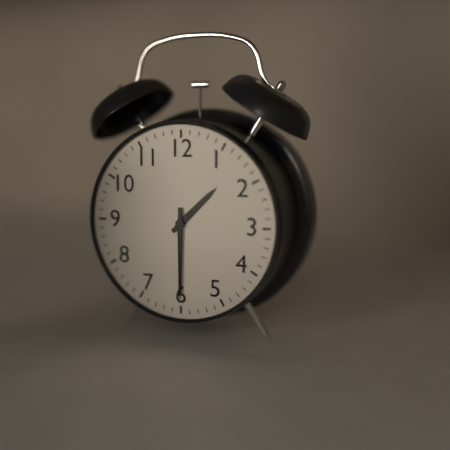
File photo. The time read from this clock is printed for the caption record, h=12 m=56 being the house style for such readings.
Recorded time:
h=1 m=30
